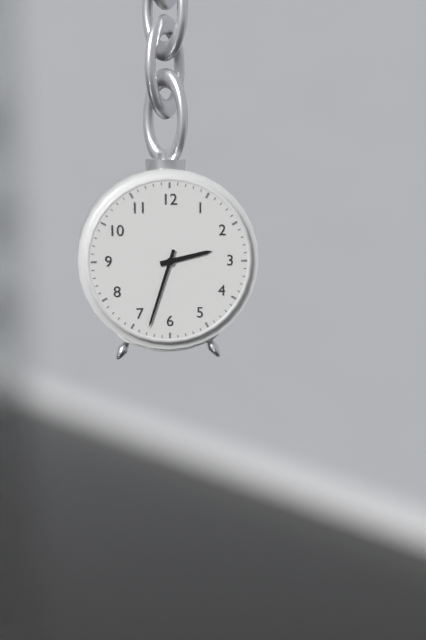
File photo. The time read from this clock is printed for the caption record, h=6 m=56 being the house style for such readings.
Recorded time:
h=2 m=33
